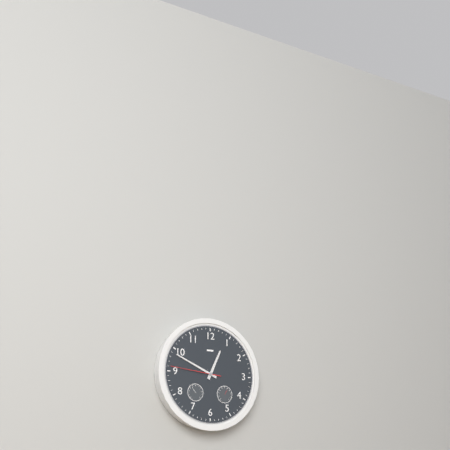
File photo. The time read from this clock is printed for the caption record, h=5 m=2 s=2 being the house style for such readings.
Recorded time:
h=12 m=49 s=46
